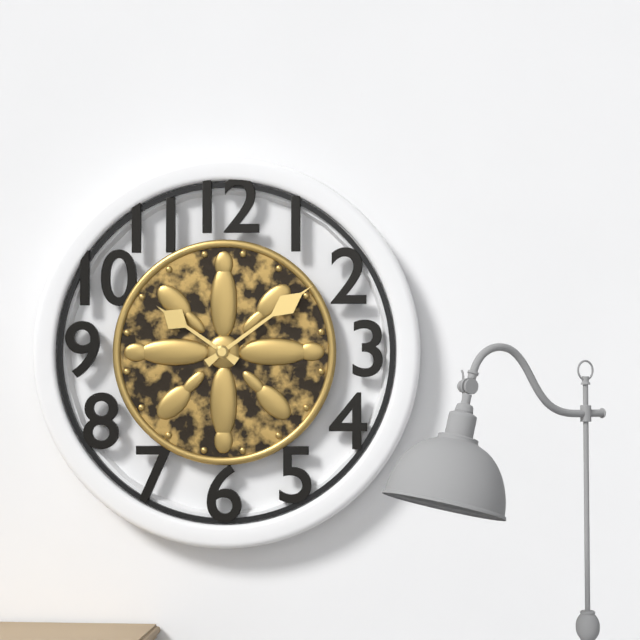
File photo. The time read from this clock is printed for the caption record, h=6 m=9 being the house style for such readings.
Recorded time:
h=10 m=9
